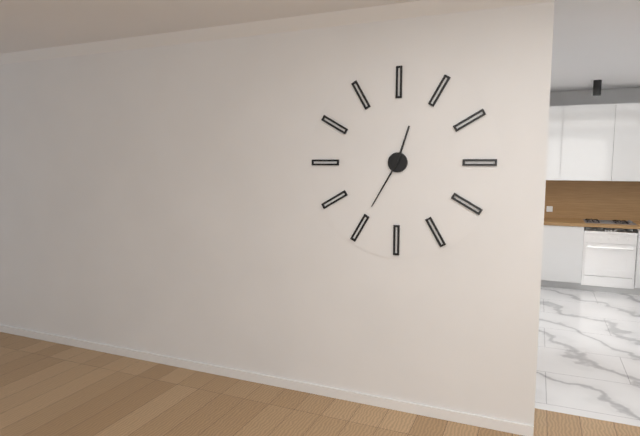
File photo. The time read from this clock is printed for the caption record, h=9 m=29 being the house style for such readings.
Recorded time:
h=12 m=35
